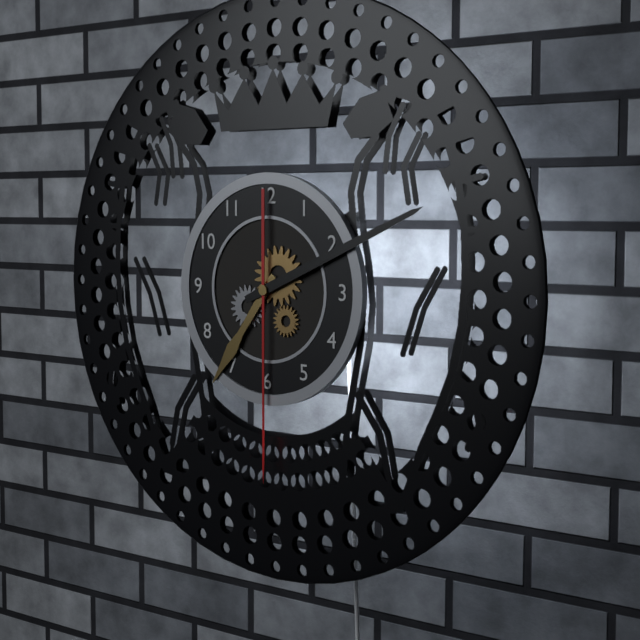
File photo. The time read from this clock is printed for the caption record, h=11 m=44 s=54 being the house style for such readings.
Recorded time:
h=7 m=11 s=30
